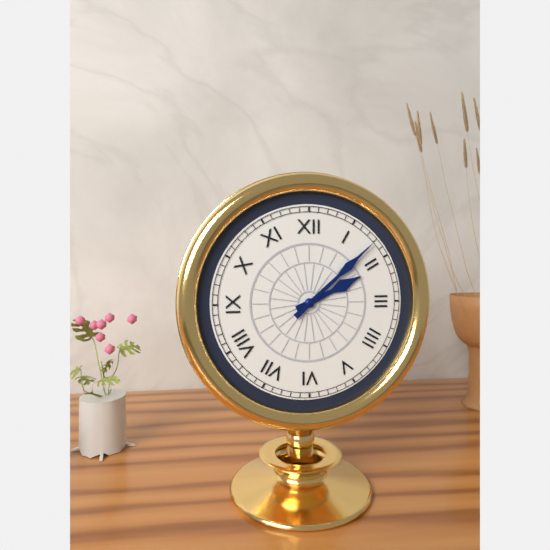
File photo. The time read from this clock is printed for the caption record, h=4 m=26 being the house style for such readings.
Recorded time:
h=2 m=8
